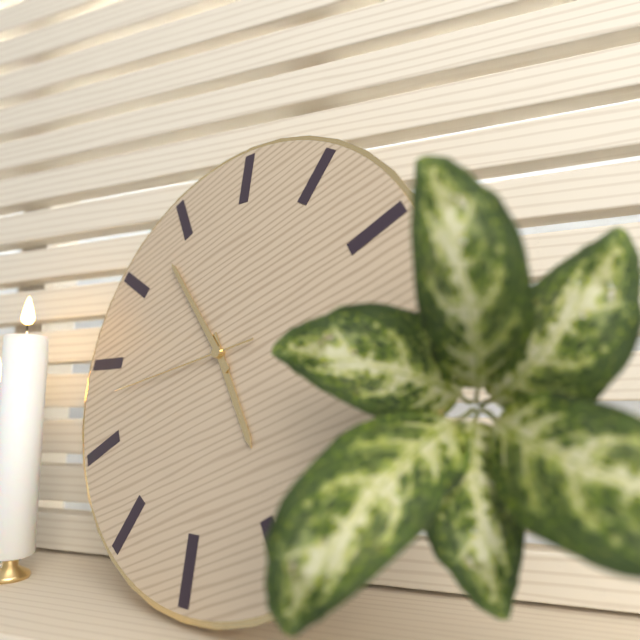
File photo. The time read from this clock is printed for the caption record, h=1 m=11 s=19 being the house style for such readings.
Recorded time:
h=4 m=53 s=43
